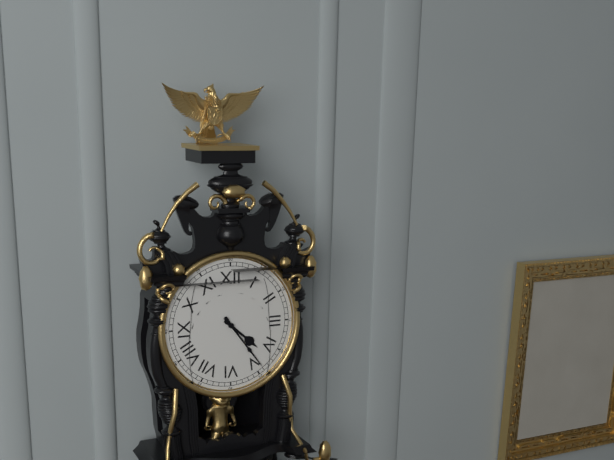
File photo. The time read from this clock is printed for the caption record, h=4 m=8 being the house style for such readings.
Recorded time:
h=4 m=24
